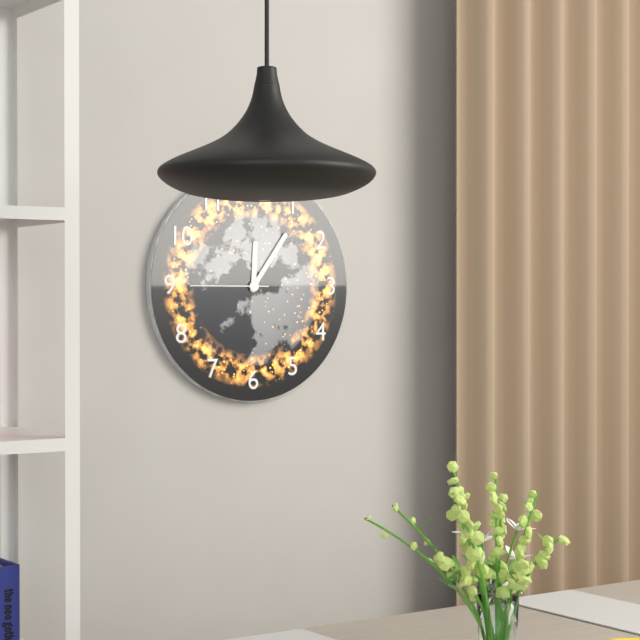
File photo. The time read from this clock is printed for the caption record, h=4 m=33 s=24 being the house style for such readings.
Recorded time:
h=12 m=6 s=45
